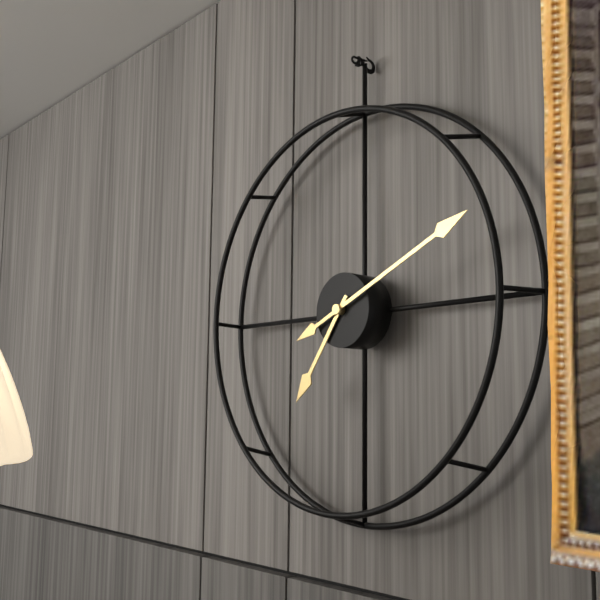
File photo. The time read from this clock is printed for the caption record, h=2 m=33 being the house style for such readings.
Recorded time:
h=7 m=11
